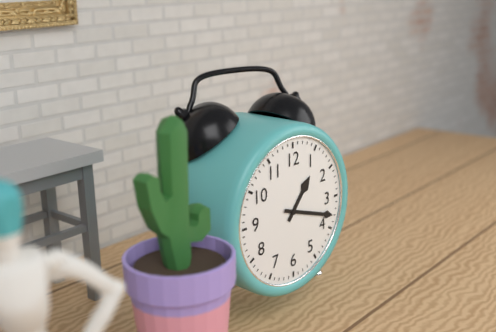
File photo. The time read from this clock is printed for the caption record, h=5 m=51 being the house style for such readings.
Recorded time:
h=1 m=18
